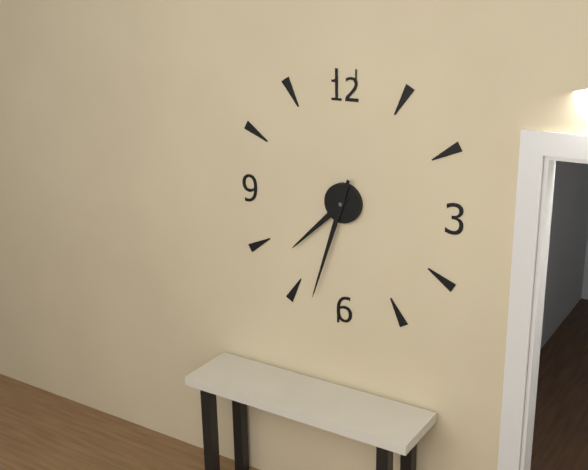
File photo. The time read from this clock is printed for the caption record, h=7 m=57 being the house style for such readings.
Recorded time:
h=7 m=33
